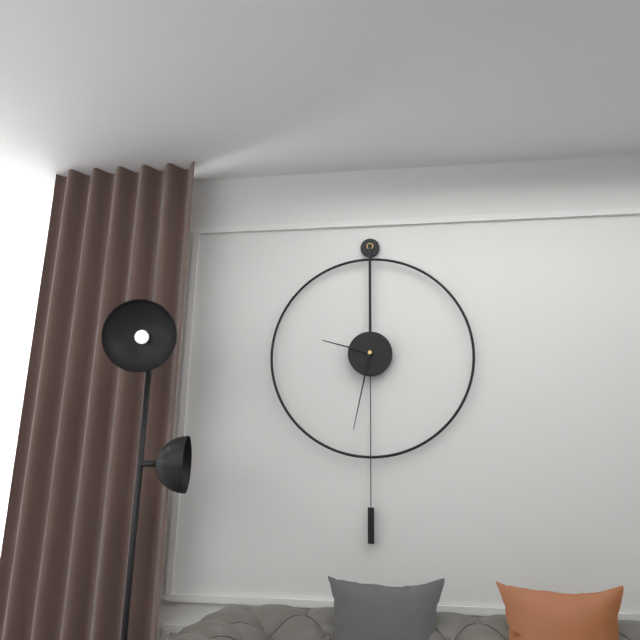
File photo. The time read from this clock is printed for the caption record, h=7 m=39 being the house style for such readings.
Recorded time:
h=9 m=32
